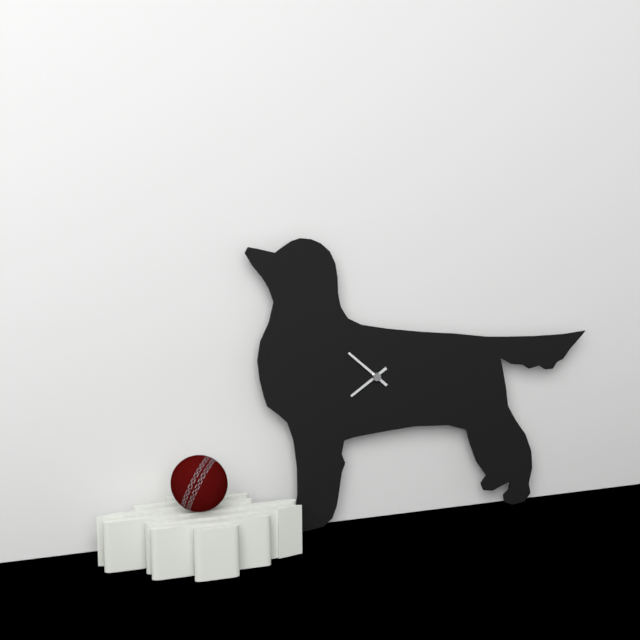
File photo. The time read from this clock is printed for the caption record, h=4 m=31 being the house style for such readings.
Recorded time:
h=7 m=52
